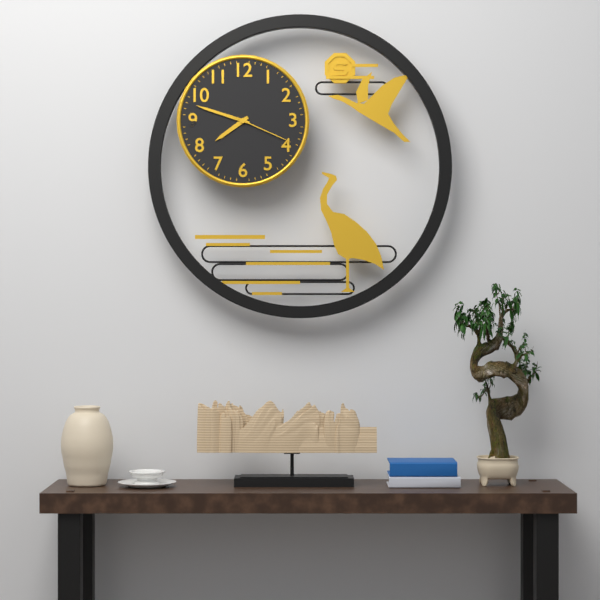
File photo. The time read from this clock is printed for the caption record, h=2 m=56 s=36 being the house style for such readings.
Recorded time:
h=7 m=48 s=19
